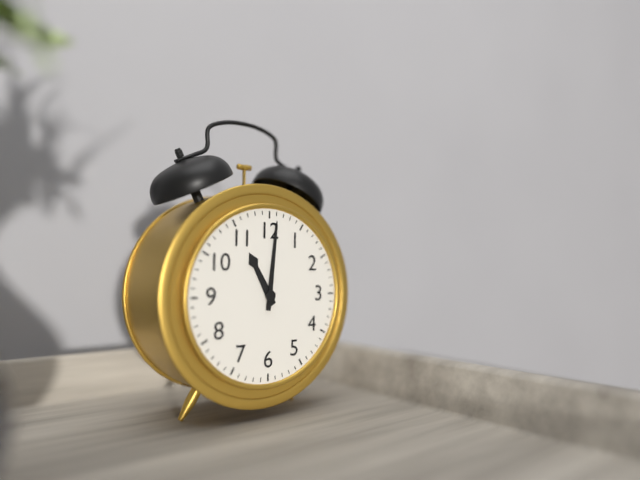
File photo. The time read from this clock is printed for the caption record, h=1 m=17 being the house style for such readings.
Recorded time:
h=11 m=1
